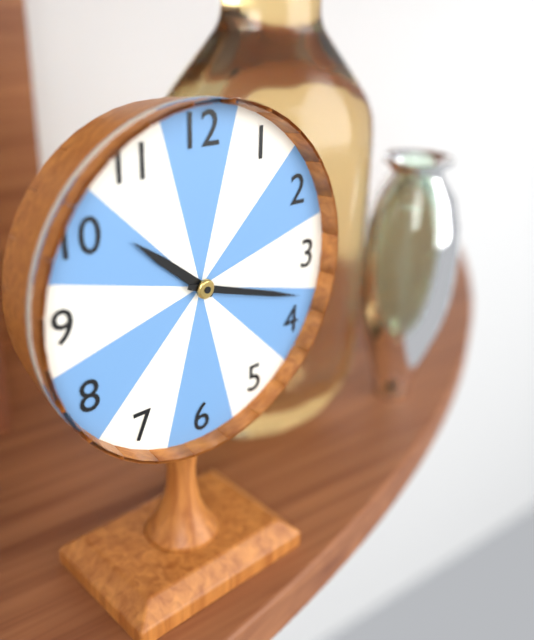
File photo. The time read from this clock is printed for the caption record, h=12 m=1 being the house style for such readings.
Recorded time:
h=10 m=18
